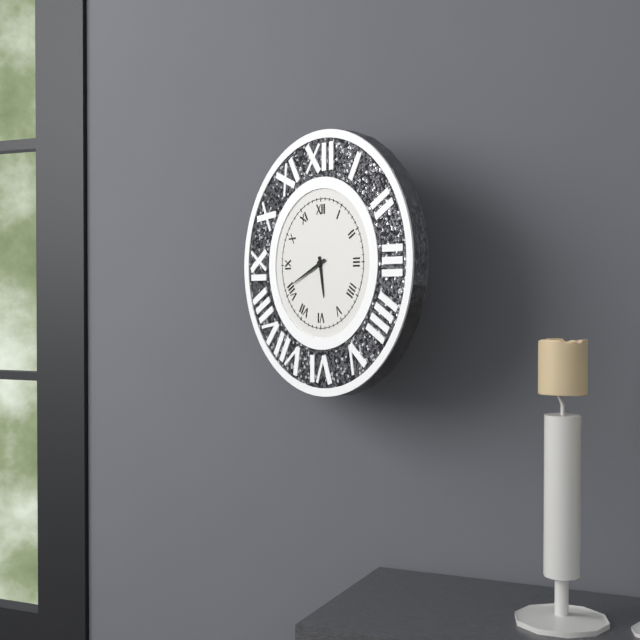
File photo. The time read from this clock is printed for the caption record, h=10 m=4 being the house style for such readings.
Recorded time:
h=5 m=41
